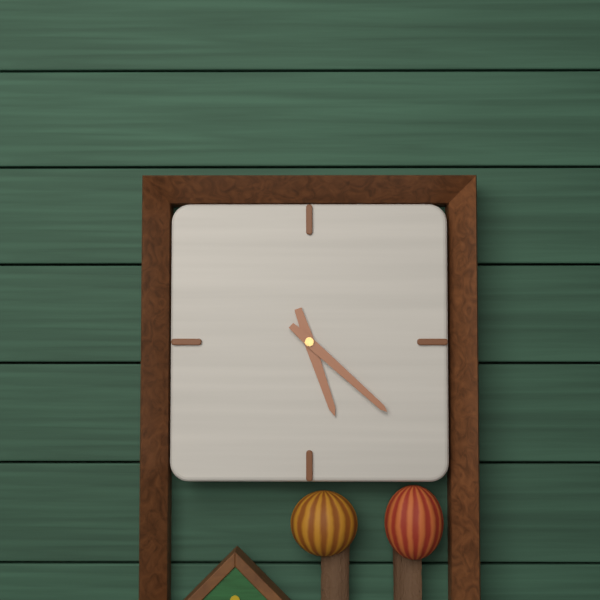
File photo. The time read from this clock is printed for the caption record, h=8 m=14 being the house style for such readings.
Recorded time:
h=5 m=22
